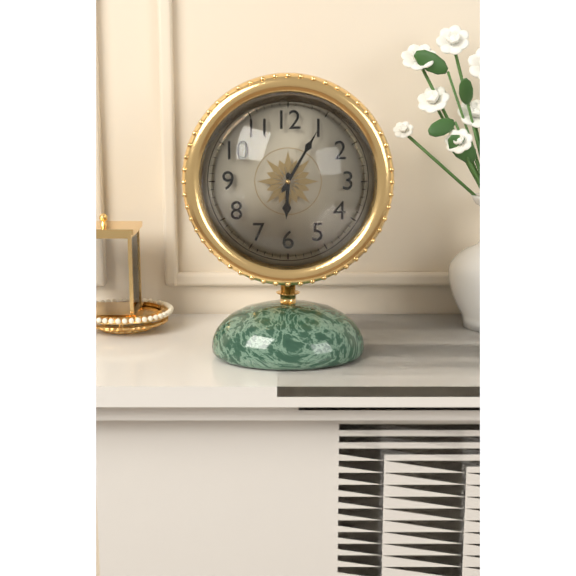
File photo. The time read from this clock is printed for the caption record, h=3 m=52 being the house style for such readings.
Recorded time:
h=6 m=5
